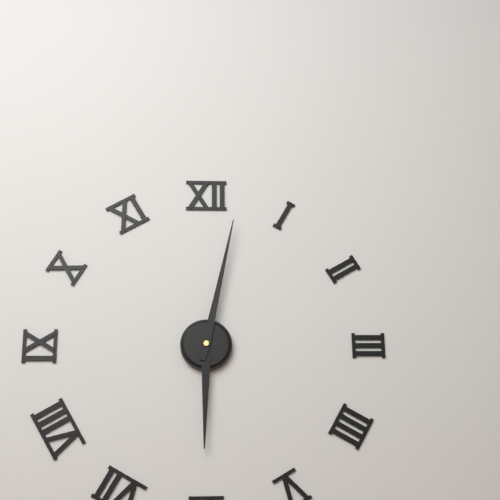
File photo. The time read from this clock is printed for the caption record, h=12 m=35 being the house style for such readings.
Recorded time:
h=6 m=2
